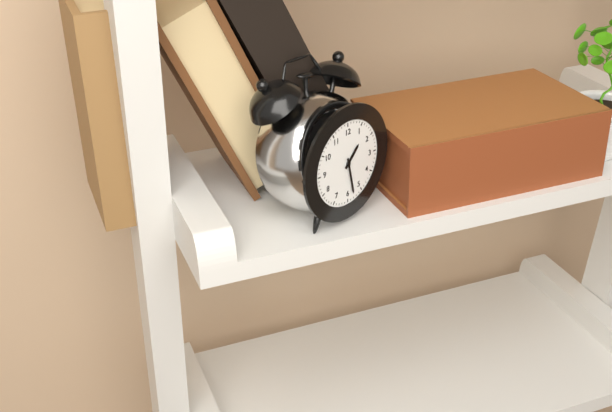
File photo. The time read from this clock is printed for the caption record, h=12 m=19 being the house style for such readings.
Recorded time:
h=1 m=28
